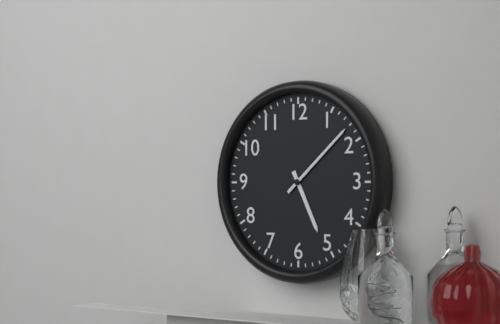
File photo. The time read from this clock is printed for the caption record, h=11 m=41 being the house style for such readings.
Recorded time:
h=5 m=8
